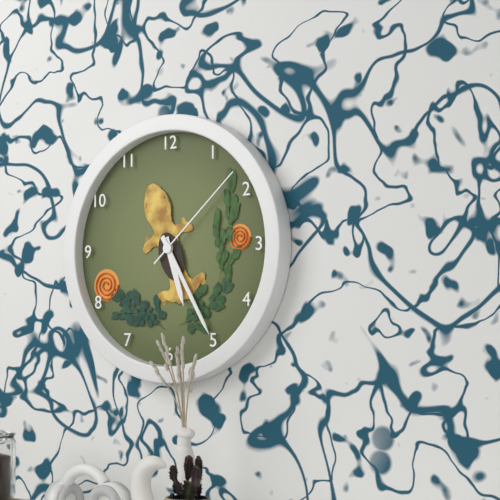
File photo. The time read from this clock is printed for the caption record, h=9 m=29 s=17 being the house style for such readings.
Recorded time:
h=5 m=25 s=8
